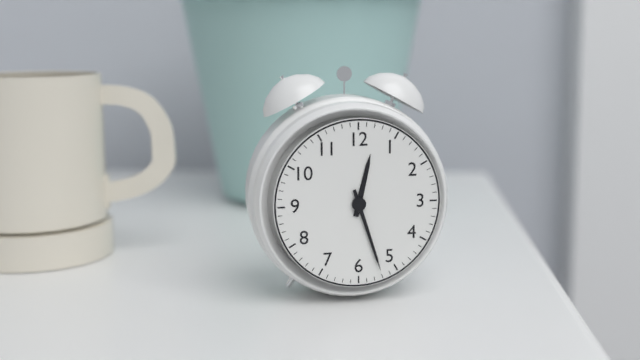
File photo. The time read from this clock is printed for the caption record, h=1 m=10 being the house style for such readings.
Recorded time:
h=12 m=27
